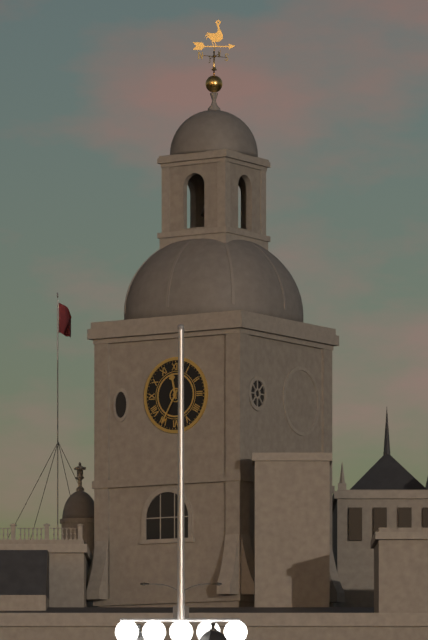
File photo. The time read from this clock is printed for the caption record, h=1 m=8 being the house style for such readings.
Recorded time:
h=11 m=35
